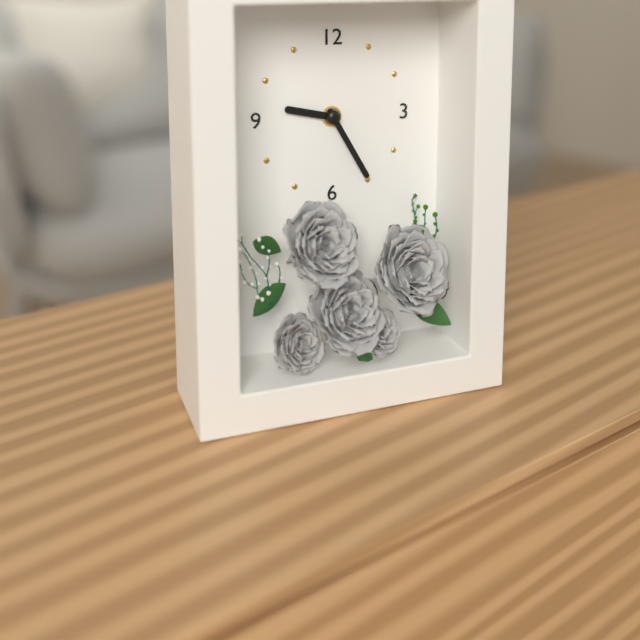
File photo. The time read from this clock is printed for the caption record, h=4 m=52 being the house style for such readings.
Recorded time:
h=9 m=25
